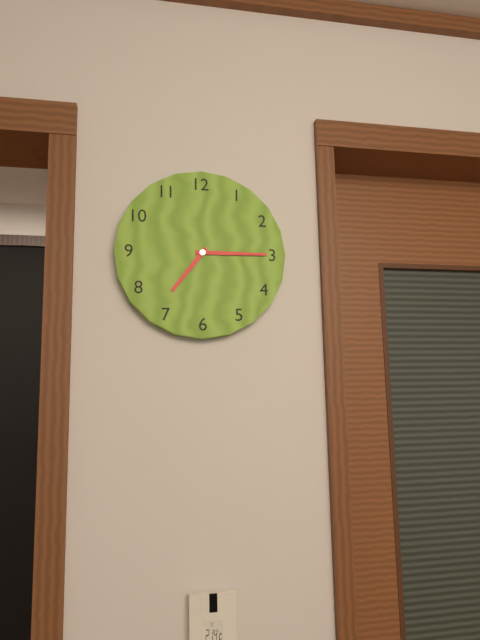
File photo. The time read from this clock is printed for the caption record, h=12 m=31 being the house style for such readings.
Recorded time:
h=7 m=15
